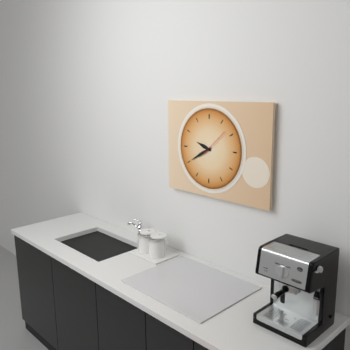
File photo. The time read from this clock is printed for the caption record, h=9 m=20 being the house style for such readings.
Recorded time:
h=9 m=40
